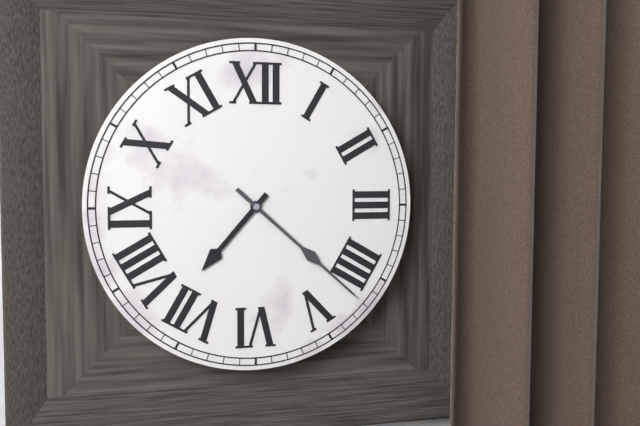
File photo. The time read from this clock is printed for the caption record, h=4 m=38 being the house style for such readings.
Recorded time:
h=7 m=22
